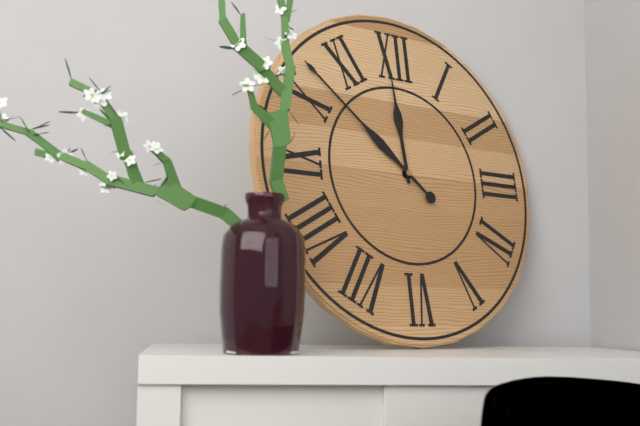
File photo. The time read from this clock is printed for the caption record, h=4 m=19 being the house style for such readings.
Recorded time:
h=11 m=52
